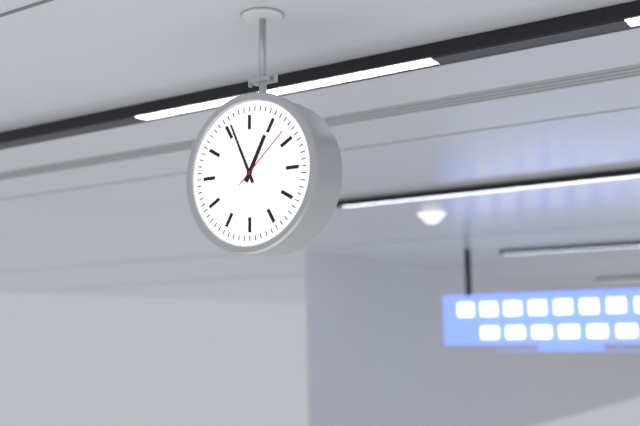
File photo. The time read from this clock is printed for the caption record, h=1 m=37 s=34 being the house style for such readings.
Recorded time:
h=12 m=56 s=8
